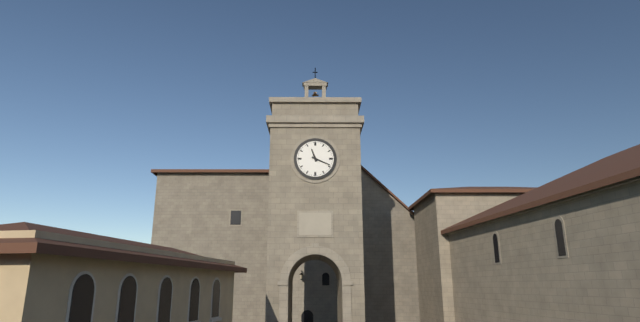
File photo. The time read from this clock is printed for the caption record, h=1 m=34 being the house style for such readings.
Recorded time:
h=11 m=19
